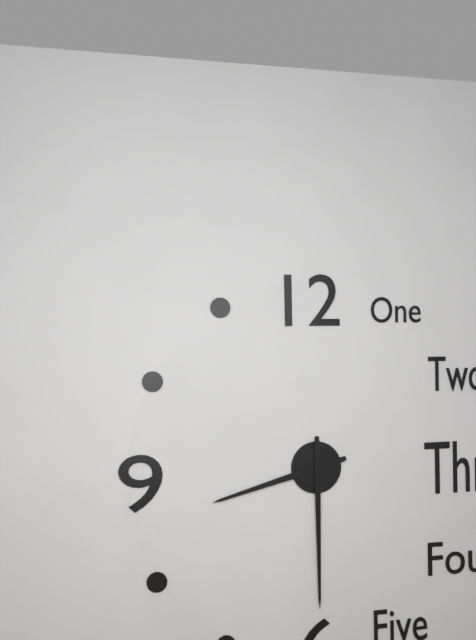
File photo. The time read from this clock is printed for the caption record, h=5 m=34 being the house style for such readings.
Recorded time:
h=8 m=30
